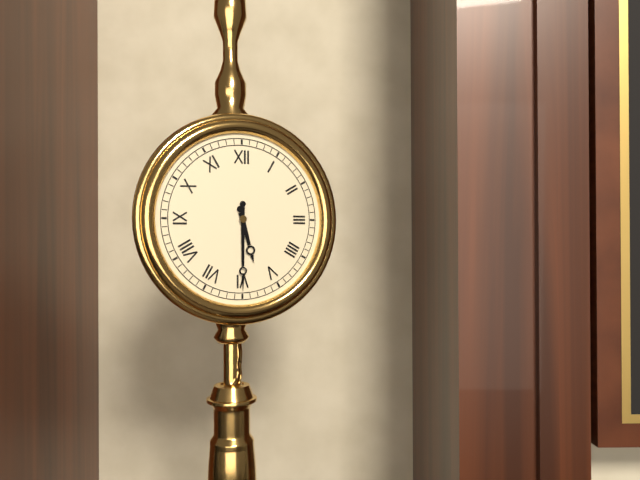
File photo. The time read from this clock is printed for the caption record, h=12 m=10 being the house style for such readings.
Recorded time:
h=5 m=30
